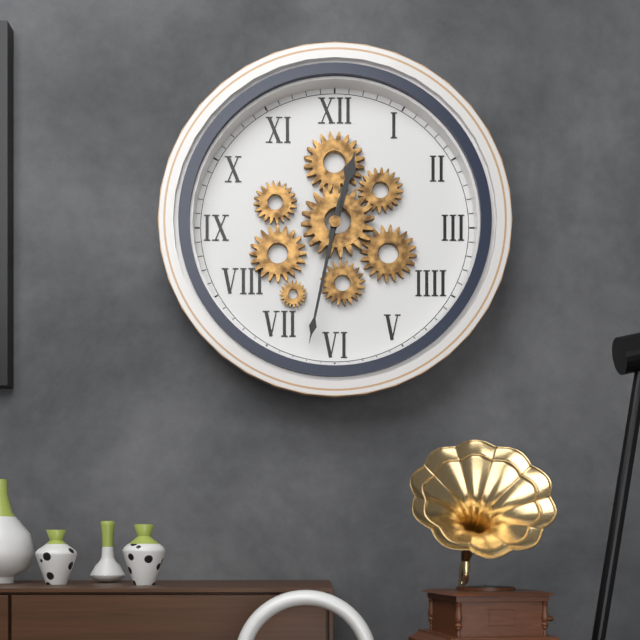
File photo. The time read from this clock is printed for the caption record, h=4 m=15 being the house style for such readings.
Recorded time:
h=12 m=32
